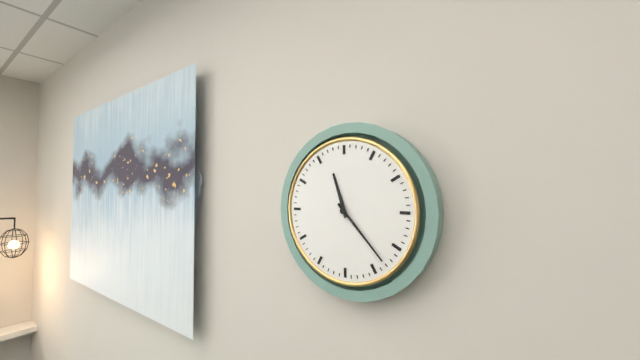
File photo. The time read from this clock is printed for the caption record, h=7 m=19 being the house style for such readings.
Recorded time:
h=11 m=23
